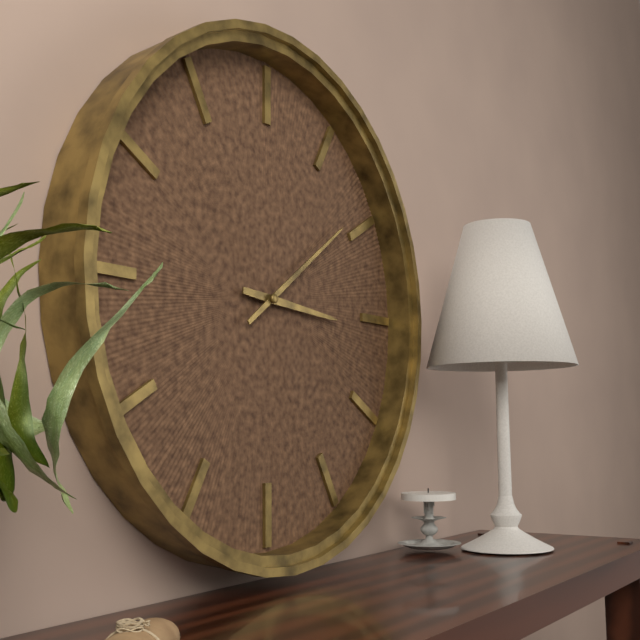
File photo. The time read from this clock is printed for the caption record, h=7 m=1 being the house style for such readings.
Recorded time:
h=3 m=9
